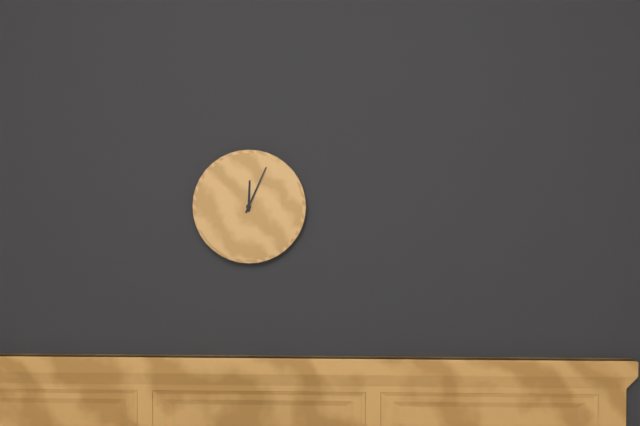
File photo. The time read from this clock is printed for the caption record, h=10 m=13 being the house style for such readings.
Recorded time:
h=12 m=4
